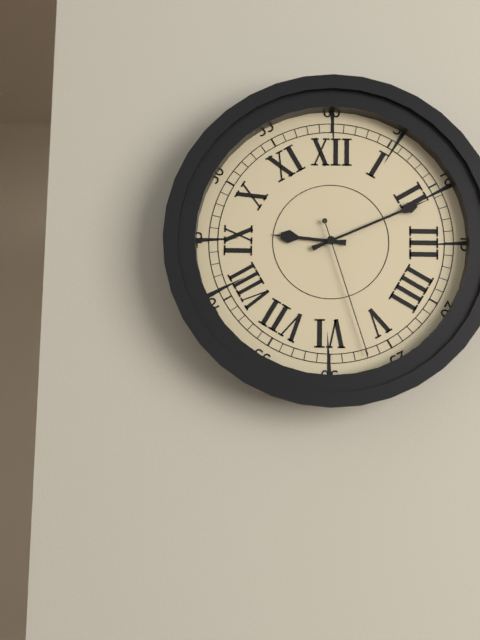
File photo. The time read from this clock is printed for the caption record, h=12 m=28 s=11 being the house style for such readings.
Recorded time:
h=9 m=11 s=27
